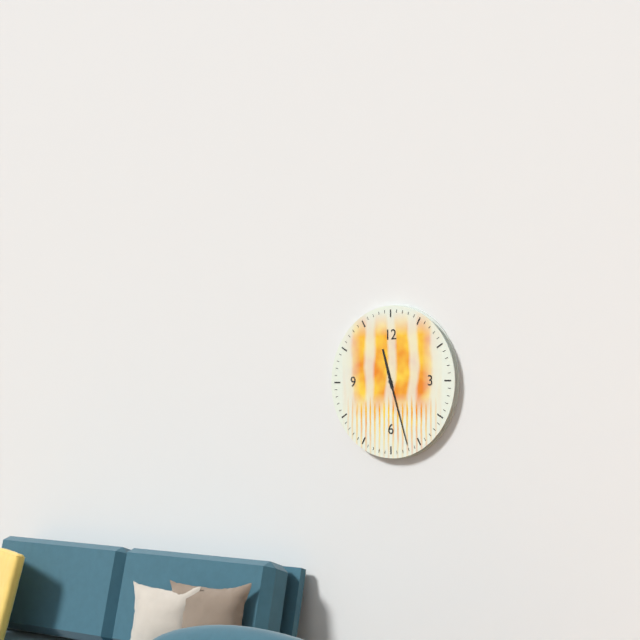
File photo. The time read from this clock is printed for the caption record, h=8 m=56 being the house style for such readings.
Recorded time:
h=11 m=27
